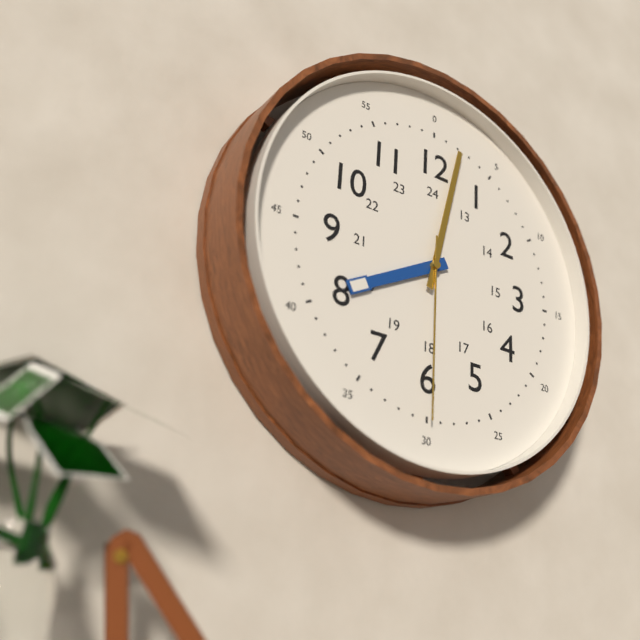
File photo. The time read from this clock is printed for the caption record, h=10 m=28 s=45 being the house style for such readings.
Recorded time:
h=8 m=2 s=30
